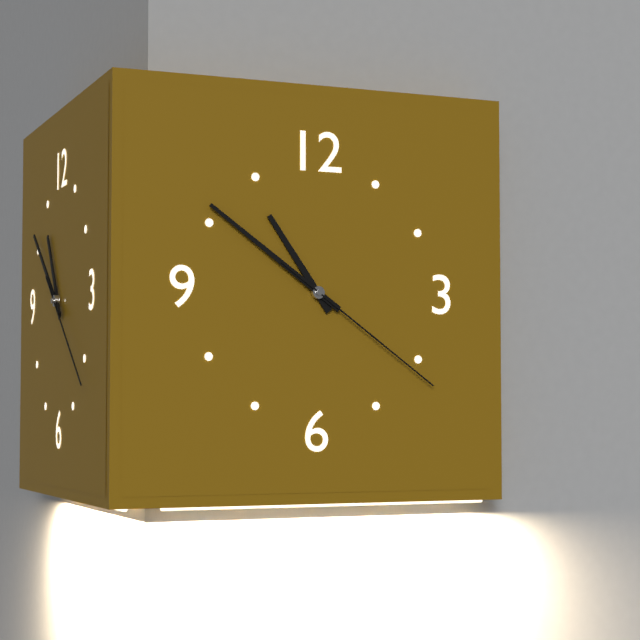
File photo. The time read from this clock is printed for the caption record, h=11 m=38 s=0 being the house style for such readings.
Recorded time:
h=10 m=51 s=21
